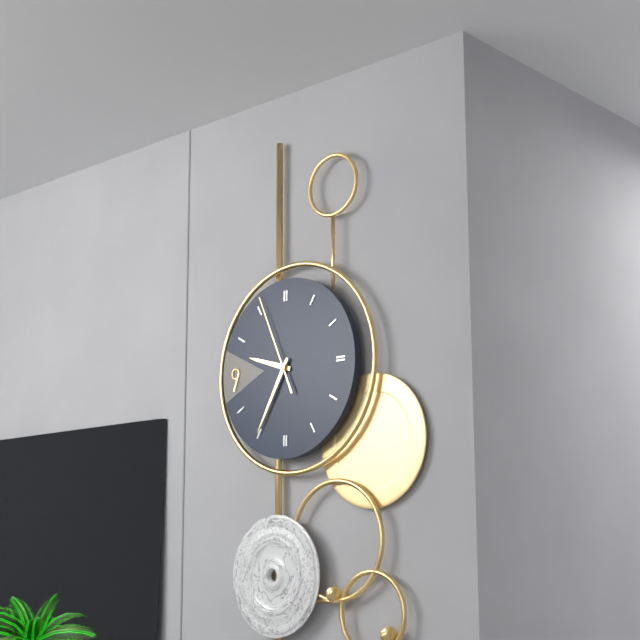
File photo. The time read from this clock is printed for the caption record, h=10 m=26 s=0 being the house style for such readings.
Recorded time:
h=9 m=35 s=56
